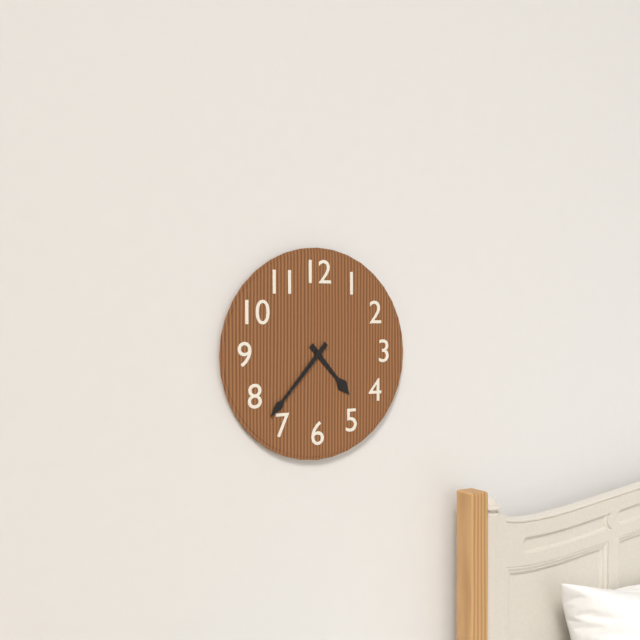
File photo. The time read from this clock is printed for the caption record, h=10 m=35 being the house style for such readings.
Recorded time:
h=4 m=37
